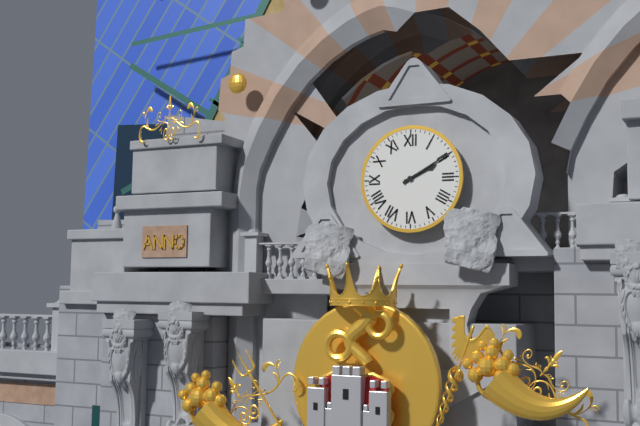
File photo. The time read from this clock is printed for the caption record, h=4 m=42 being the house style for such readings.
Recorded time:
h=2 m=10
